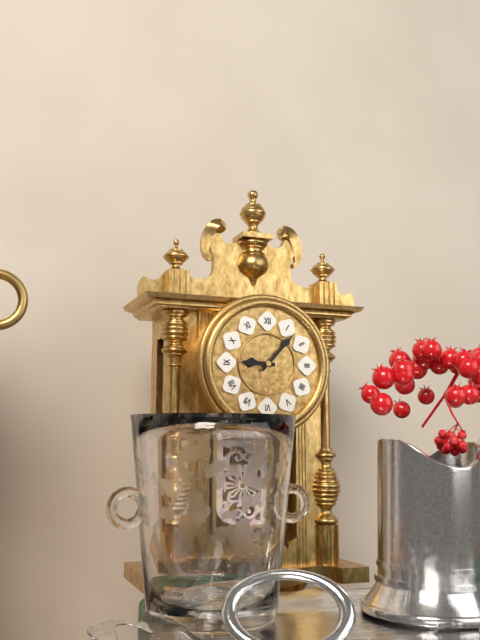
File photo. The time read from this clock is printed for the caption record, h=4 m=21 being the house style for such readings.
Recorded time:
h=9 m=7
